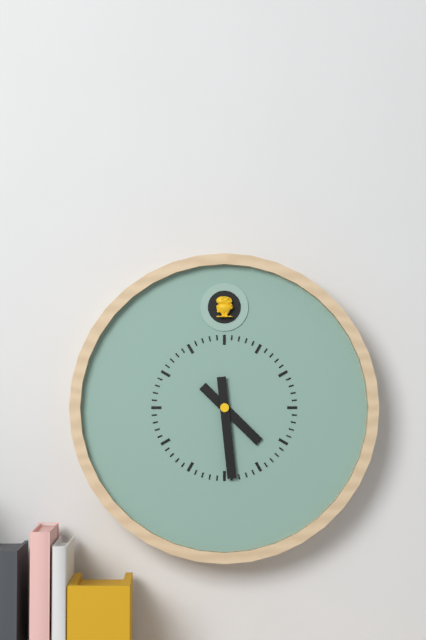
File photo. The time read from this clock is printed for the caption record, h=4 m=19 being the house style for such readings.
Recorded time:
h=4 m=29
